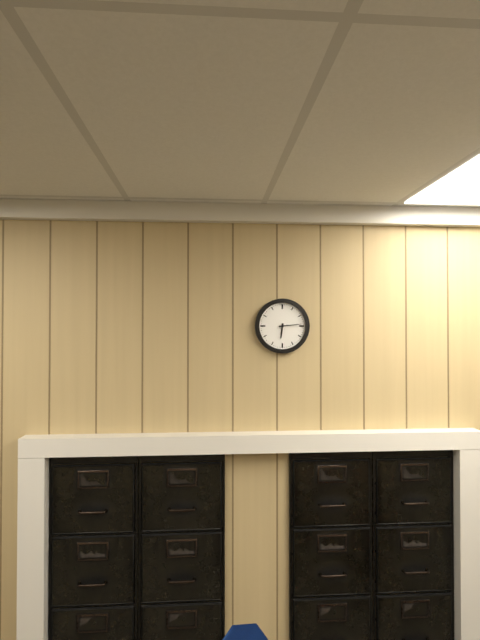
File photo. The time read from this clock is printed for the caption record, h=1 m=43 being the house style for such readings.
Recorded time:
h=6 m=14
